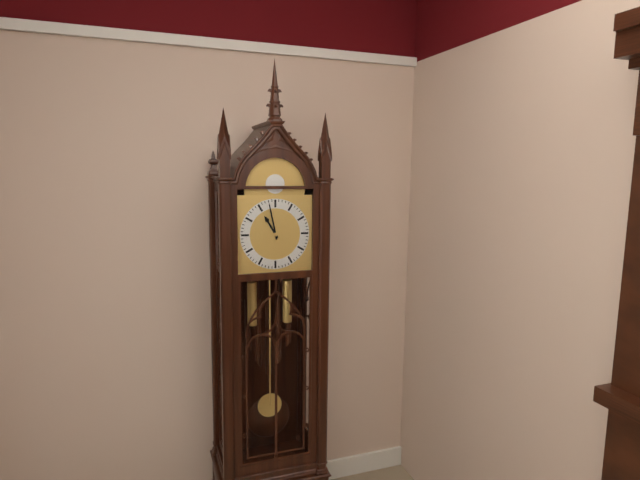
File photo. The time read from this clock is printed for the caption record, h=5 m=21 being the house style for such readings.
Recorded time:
h=10 m=58
